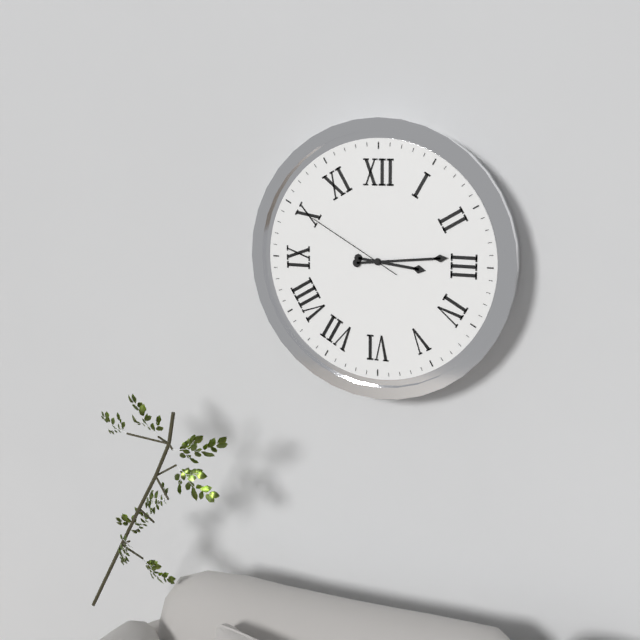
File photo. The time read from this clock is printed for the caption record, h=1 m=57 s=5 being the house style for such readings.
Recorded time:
h=3 m=14 s=50
